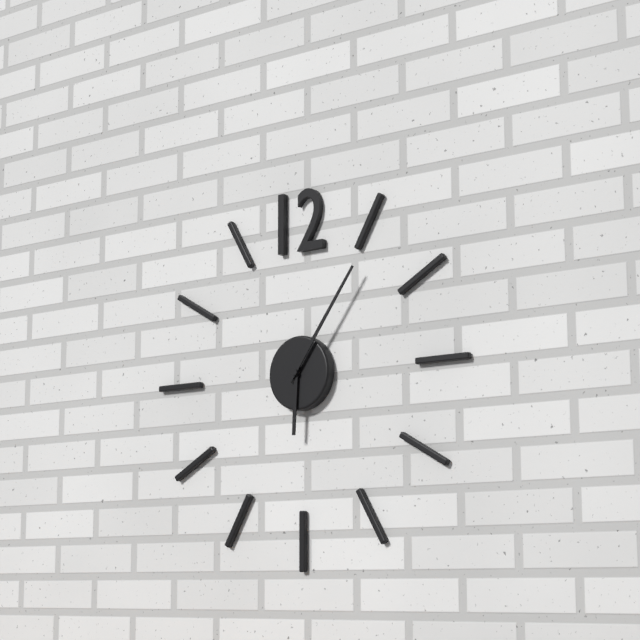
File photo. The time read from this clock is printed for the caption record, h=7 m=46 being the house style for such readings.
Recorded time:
h=6 m=6
